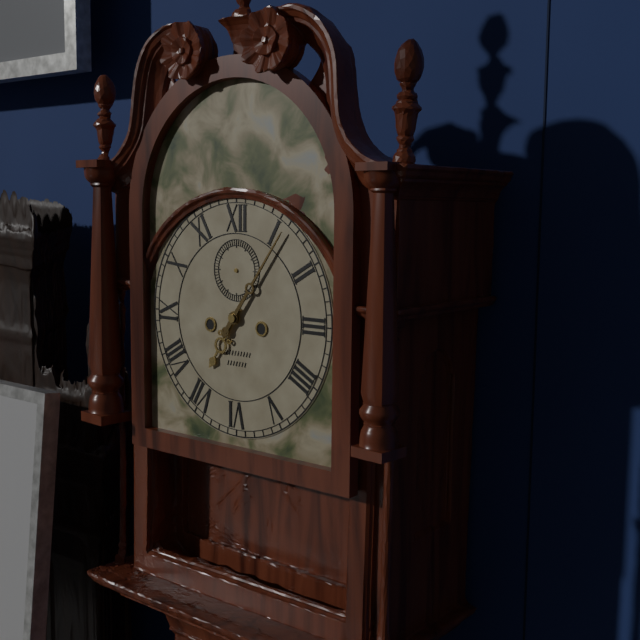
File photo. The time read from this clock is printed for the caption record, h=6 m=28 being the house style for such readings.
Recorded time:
h=7 m=6
